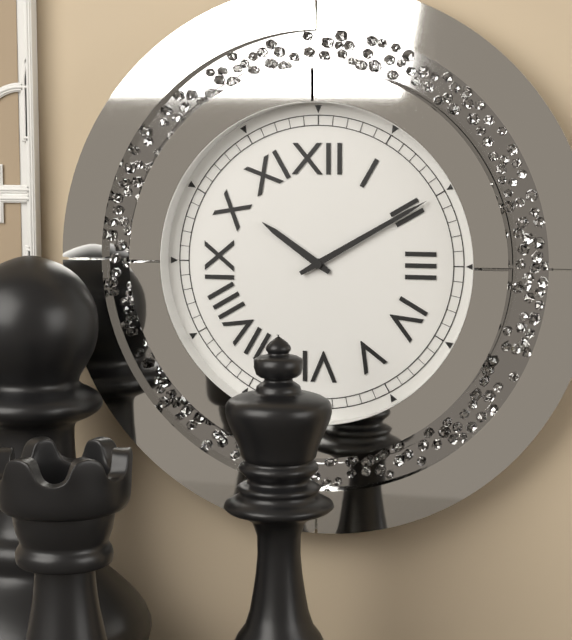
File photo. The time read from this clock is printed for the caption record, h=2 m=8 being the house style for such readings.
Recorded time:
h=10 m=10
